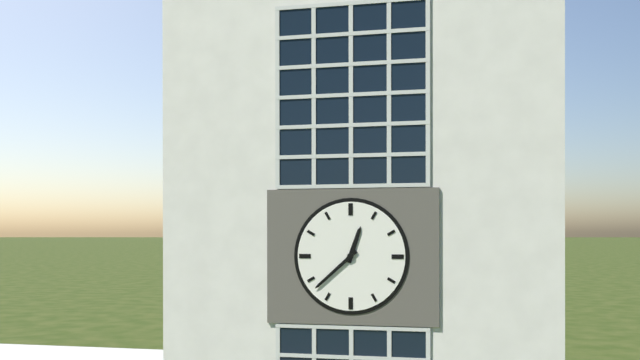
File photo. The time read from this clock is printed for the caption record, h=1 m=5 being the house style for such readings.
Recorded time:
h=12 m=38
